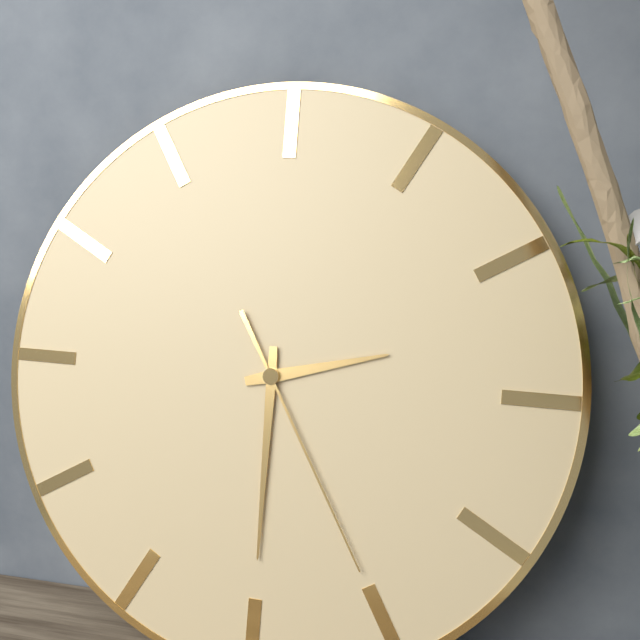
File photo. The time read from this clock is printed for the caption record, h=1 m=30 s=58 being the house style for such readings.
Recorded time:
h=2 m=30 s=25
